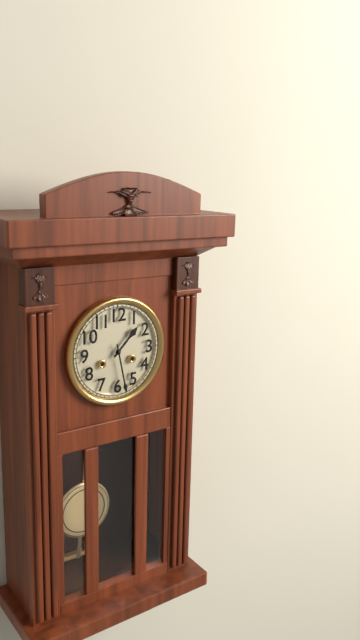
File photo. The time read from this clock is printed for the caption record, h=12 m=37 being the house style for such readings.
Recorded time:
h=1 m=28
